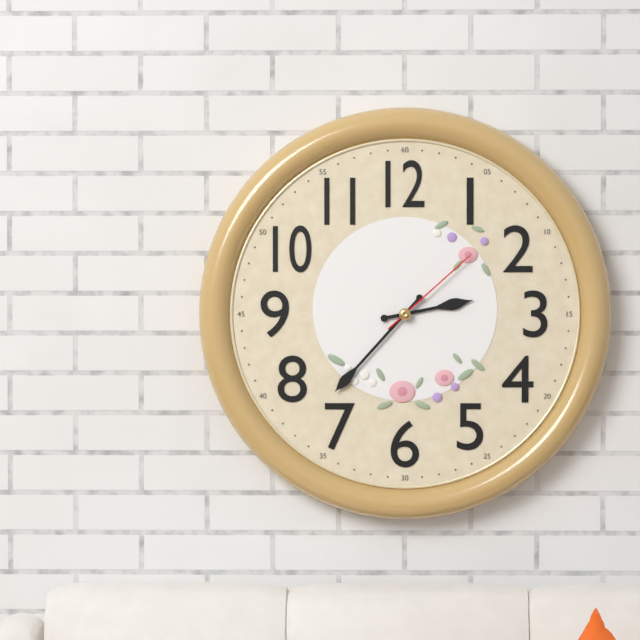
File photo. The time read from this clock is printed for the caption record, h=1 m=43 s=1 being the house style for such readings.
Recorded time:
h=2 m=37 s=8
